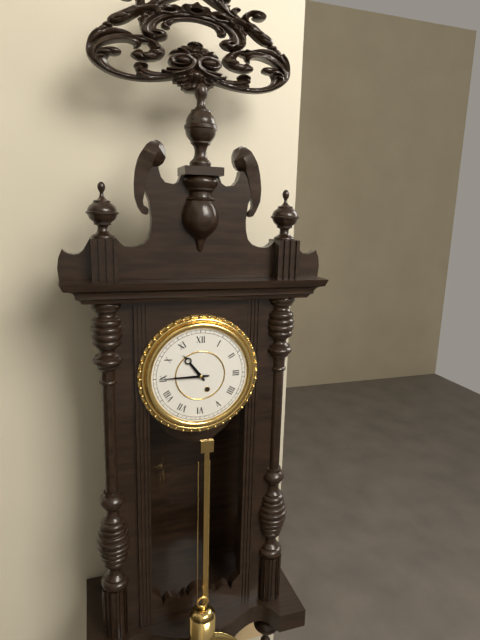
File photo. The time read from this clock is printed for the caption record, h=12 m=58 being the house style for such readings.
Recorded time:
h=10 m=45
